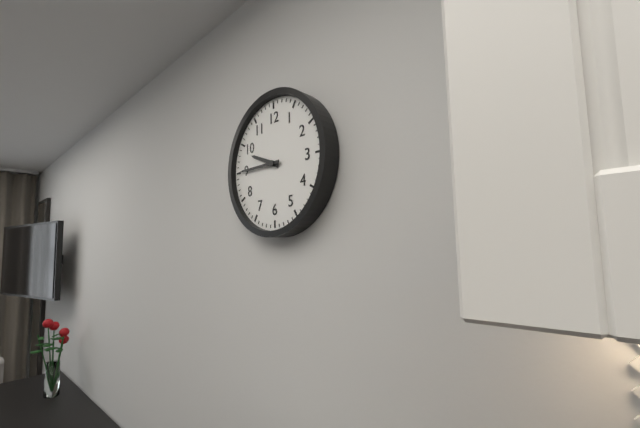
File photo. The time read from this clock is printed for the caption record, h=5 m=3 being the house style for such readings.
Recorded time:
h=9 m=45
